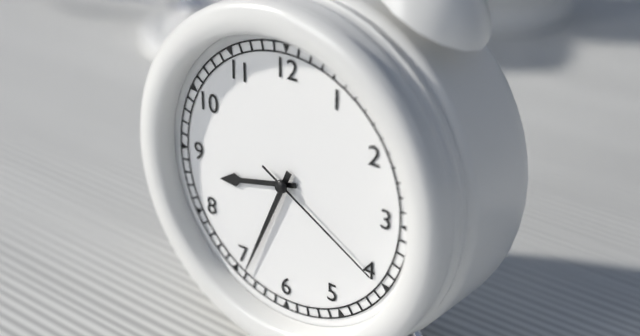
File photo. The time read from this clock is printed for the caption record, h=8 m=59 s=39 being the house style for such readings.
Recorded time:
h=8 m=34 s=20
